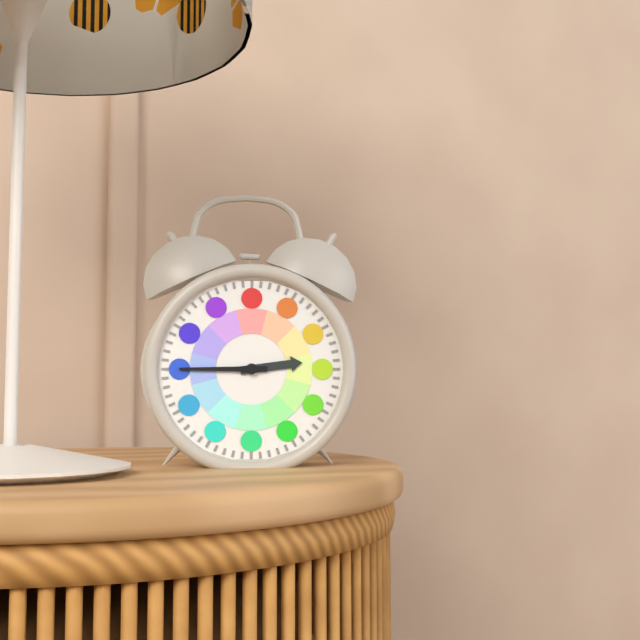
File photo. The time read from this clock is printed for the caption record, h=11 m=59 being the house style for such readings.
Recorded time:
h=2 m=45
